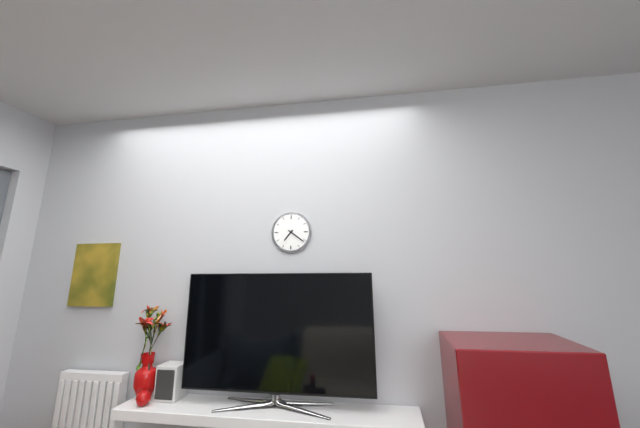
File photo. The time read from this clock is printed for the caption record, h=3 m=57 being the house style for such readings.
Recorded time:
h=7 m=21
